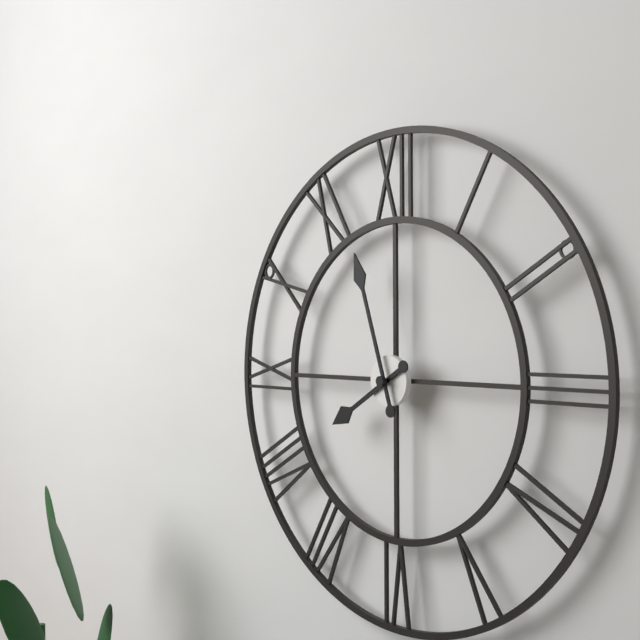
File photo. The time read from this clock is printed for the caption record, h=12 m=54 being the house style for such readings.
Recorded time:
h=7 m=57
